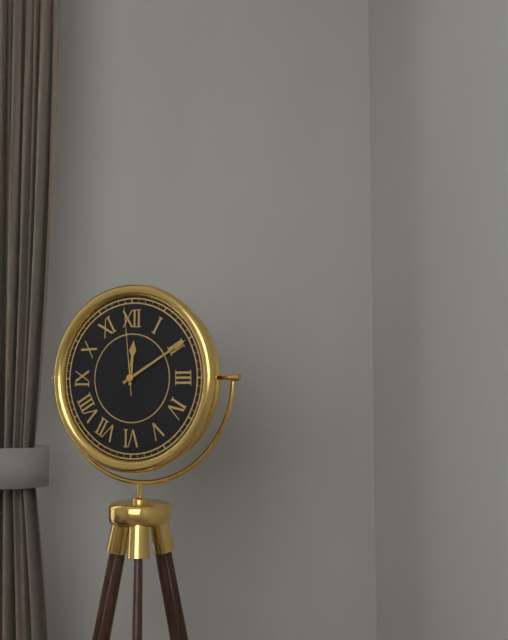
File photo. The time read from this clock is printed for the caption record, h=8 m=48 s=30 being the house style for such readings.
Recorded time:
h=12 m=10 s=59
